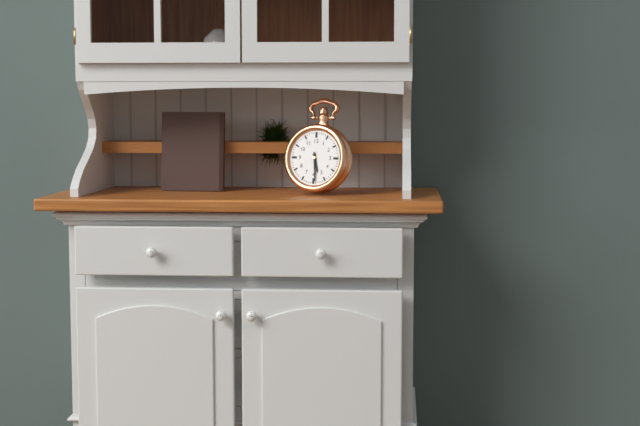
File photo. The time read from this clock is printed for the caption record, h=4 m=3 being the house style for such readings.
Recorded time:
h=5 m=29
